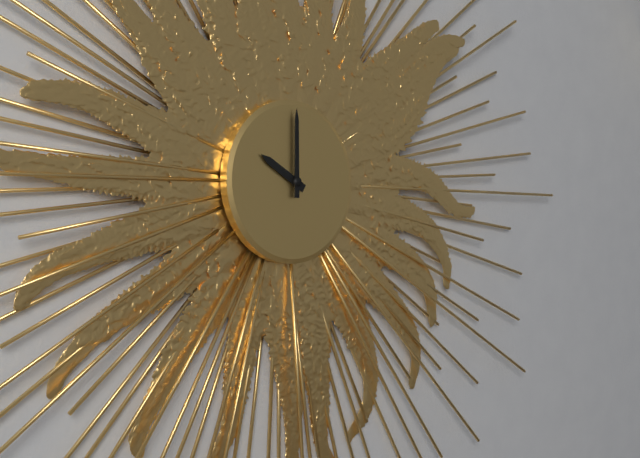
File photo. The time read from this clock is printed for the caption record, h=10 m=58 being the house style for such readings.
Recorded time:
h=10 m=0
